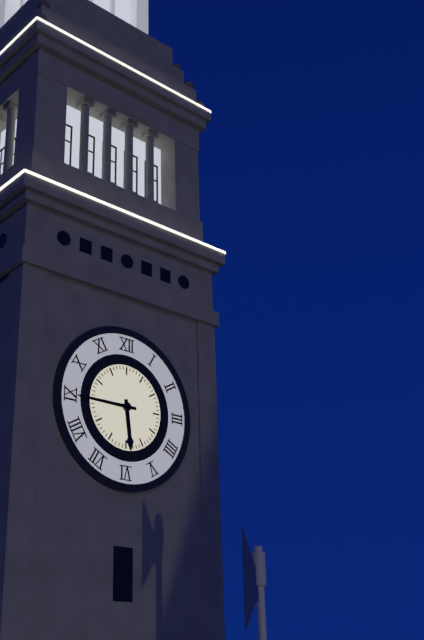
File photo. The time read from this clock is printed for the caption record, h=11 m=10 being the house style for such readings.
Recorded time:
h=5 m=45
